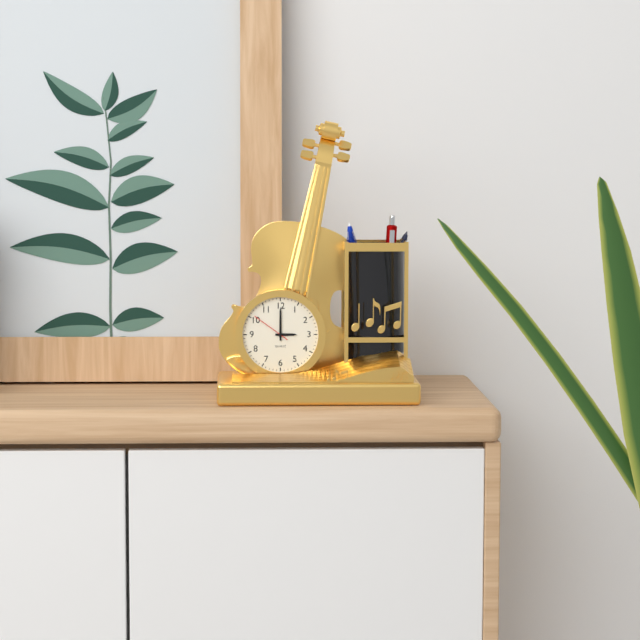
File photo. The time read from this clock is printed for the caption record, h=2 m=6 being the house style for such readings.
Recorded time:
h=3 m=0
